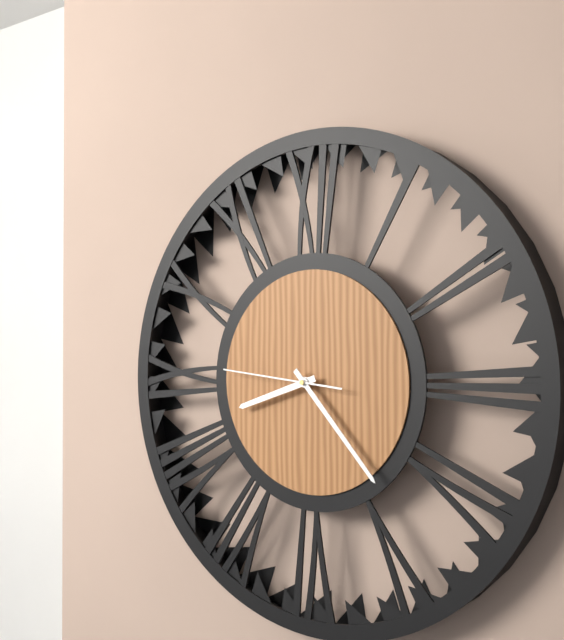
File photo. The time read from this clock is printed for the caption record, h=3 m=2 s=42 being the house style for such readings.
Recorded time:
h=8 m=23 s=46
